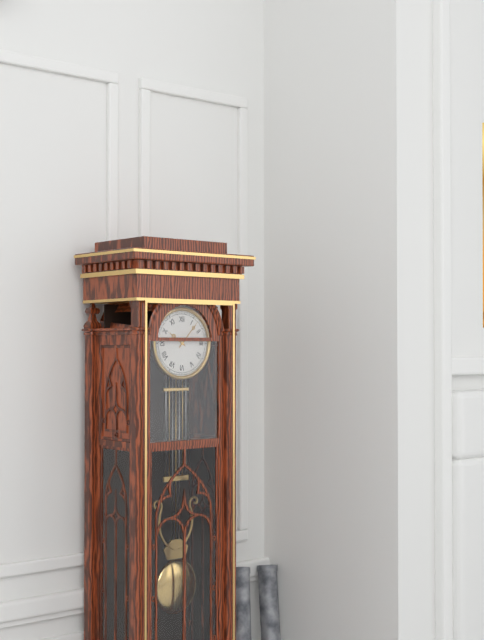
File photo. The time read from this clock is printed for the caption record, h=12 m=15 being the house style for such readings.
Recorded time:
h=10 m=7
